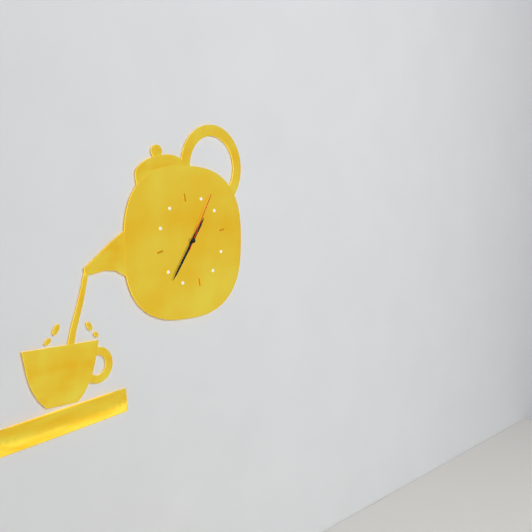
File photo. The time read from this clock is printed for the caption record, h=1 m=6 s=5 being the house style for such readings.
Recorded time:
h=1 m=38 s=7
